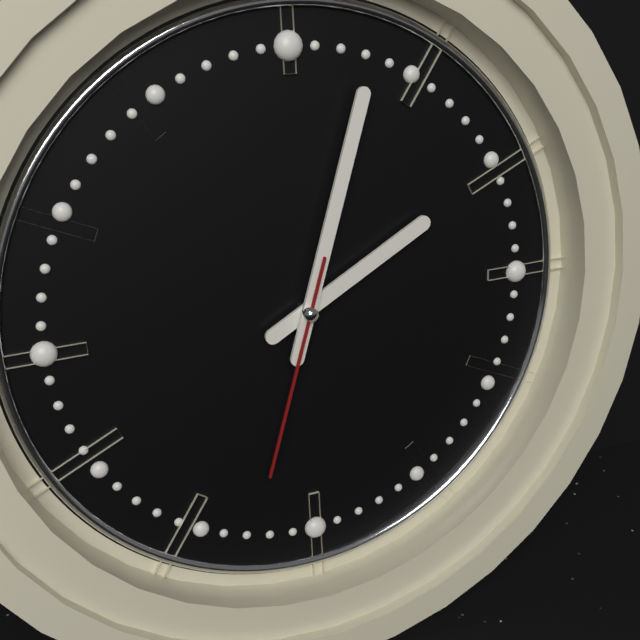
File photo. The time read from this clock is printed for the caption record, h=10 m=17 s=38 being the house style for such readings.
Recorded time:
h=2 m=3 s=33
